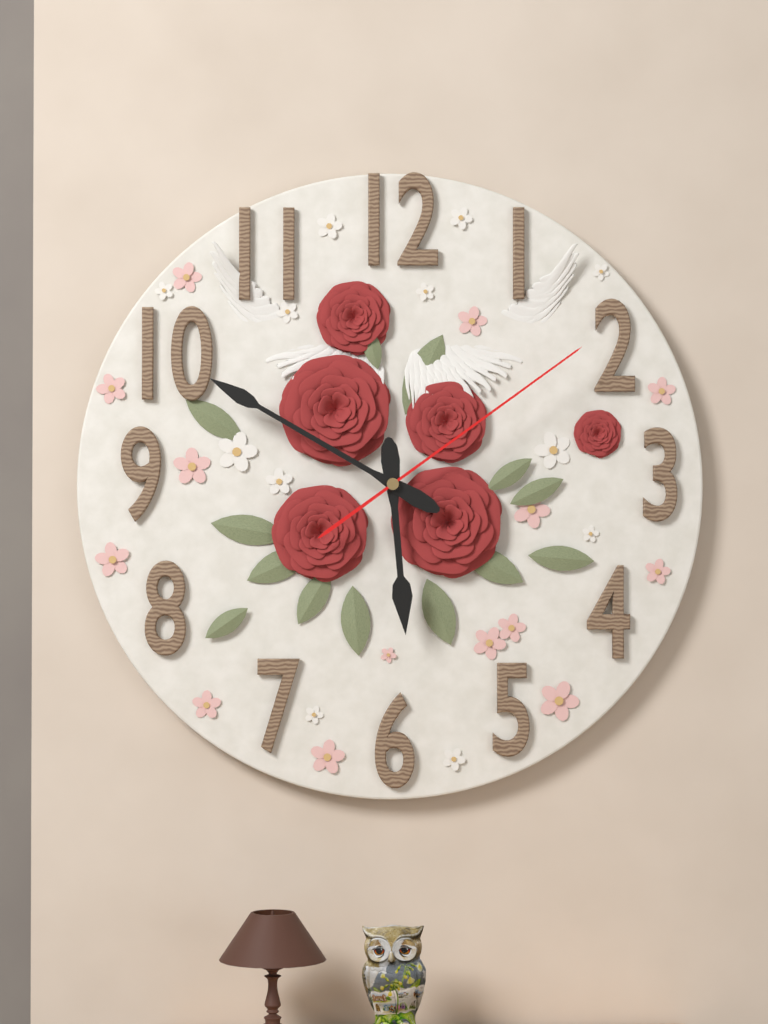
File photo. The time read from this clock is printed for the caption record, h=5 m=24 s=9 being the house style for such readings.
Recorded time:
h=5 m=50 s=9
